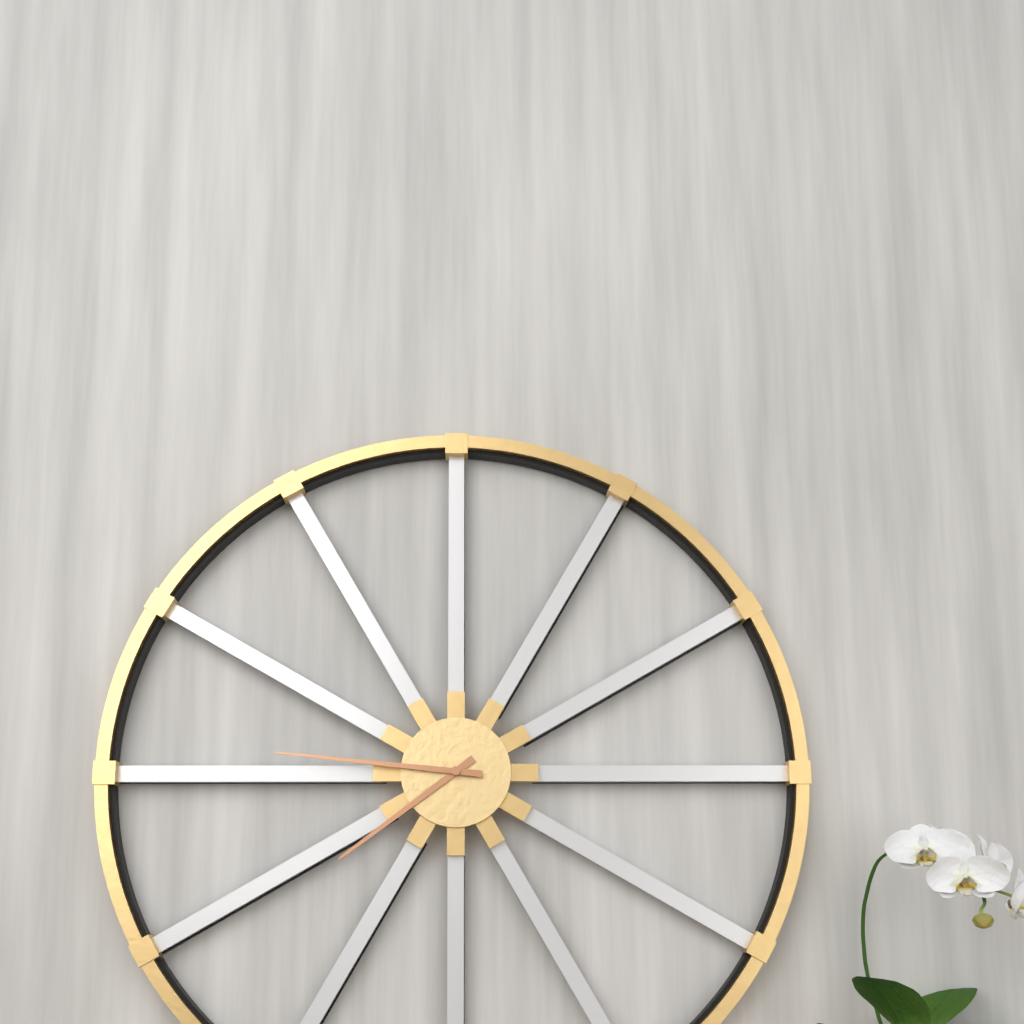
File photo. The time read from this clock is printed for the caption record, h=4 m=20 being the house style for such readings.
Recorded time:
h=7 m=46
